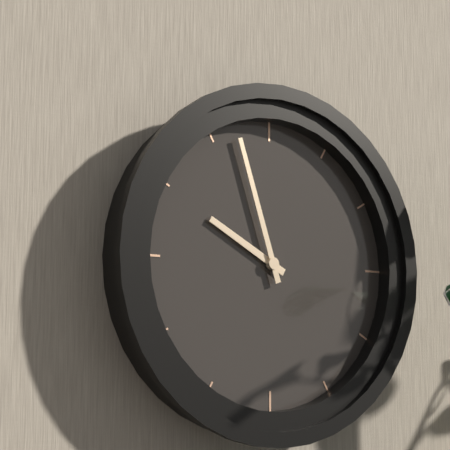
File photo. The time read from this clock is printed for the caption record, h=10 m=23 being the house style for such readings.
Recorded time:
h=9 m=57
